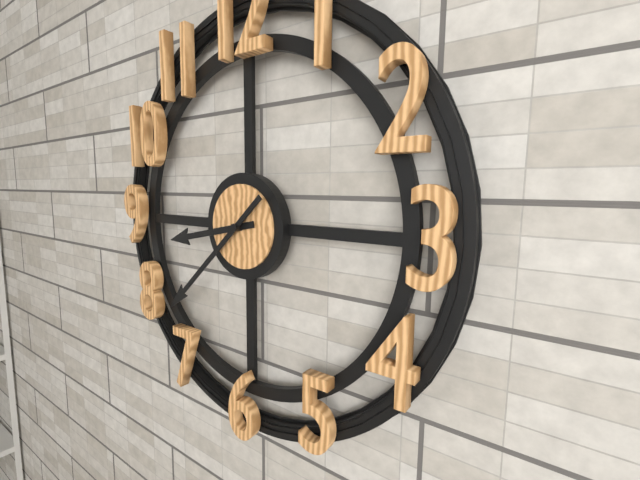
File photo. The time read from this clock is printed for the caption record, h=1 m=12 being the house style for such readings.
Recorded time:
h=8 m=38
